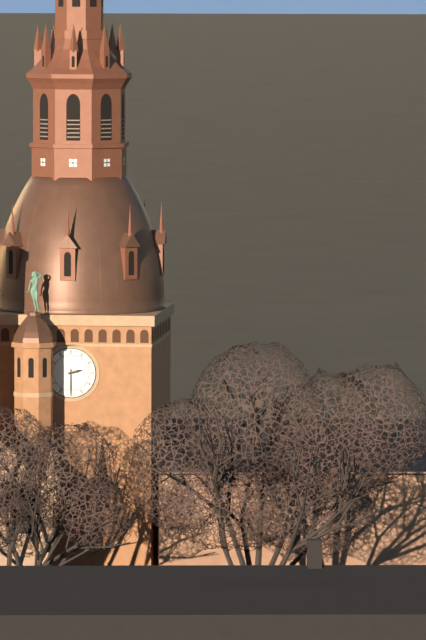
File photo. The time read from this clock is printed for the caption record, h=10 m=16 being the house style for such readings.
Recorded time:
h=2 m=30
